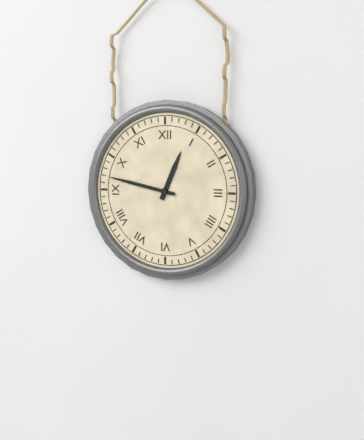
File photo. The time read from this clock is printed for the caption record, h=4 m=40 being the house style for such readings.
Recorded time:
h=12 m=47
